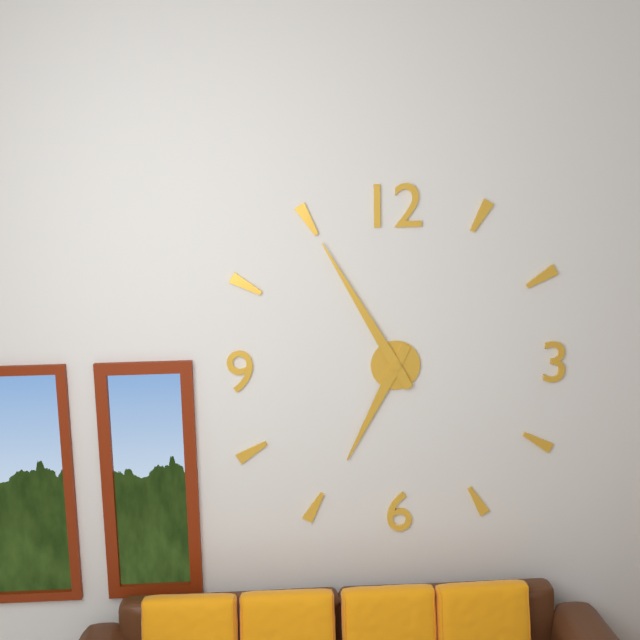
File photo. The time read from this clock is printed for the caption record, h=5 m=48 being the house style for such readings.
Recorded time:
h=6 m=55
